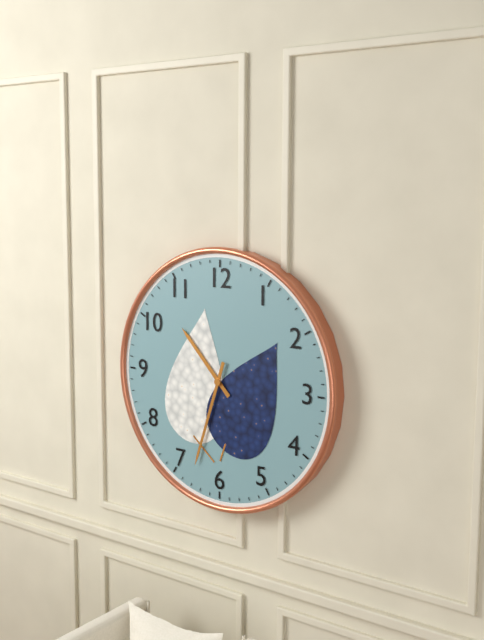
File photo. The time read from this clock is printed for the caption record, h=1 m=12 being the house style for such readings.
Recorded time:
h=10 m=33
